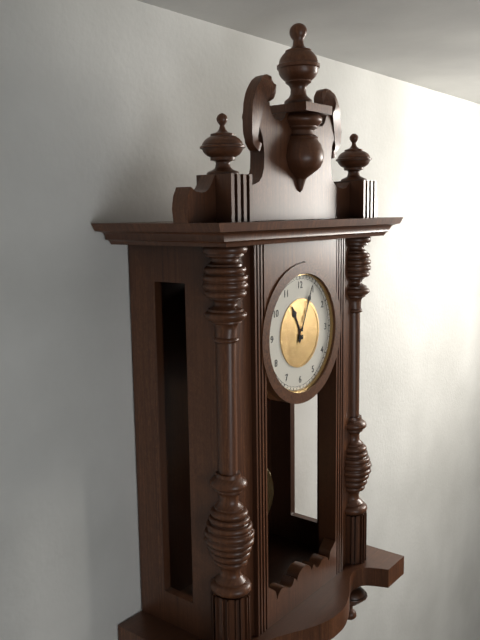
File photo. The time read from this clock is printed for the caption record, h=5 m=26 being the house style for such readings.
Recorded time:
h=11 m=4
